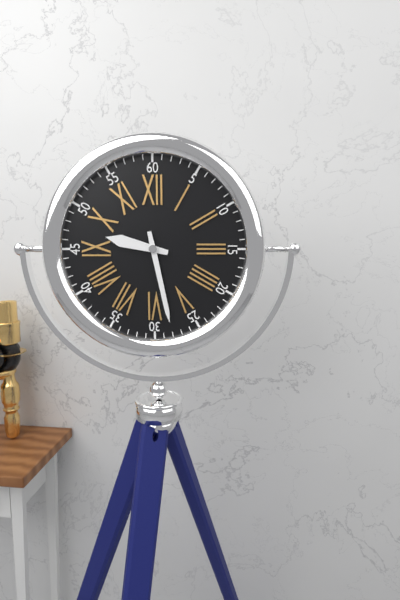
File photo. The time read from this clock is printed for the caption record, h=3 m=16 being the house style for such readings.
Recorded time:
h=9 m=28
